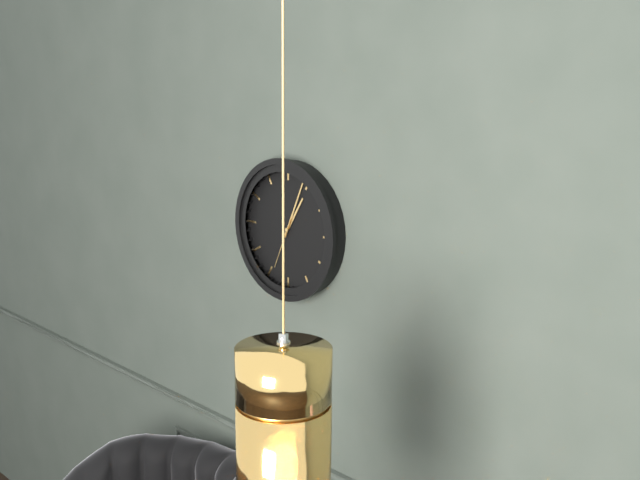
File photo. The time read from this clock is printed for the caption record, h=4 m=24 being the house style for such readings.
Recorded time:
h=1 m=4
